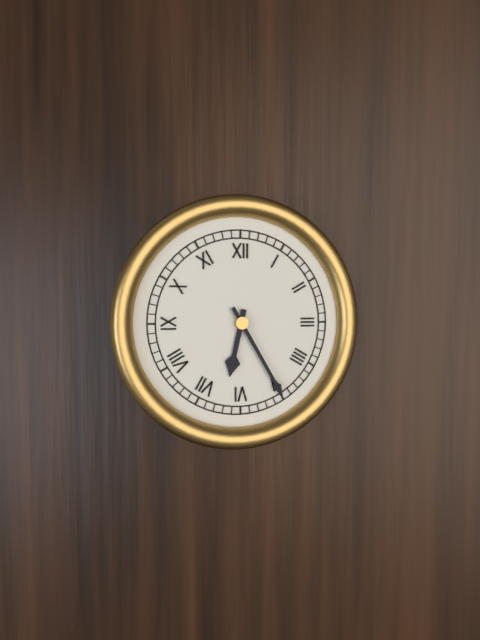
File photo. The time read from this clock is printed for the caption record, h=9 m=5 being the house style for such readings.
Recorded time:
h=6 m=25
